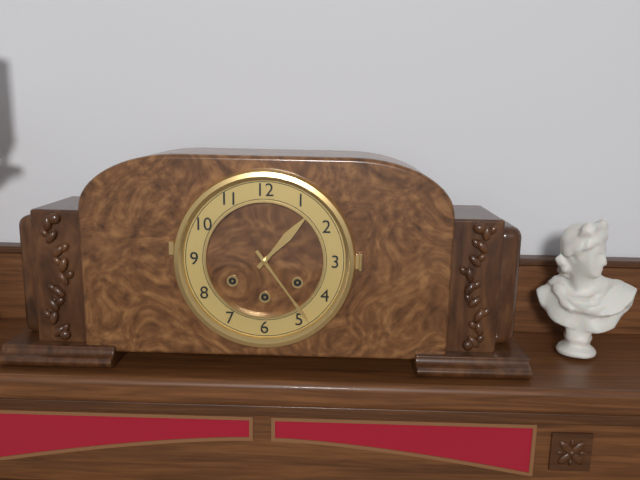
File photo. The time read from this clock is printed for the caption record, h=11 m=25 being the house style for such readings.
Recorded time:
h=1 m=24
